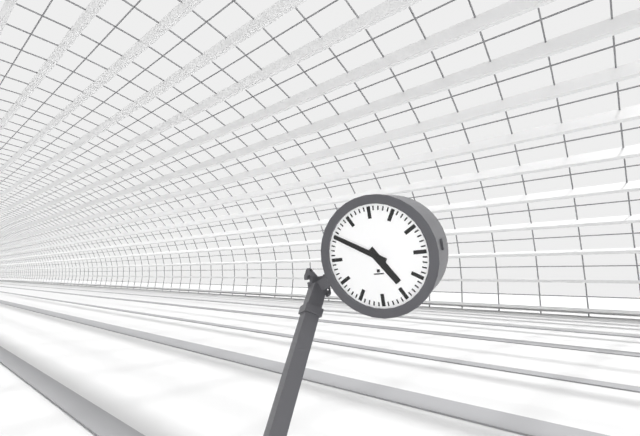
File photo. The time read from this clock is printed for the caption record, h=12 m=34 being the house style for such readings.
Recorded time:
h=4 m=50
